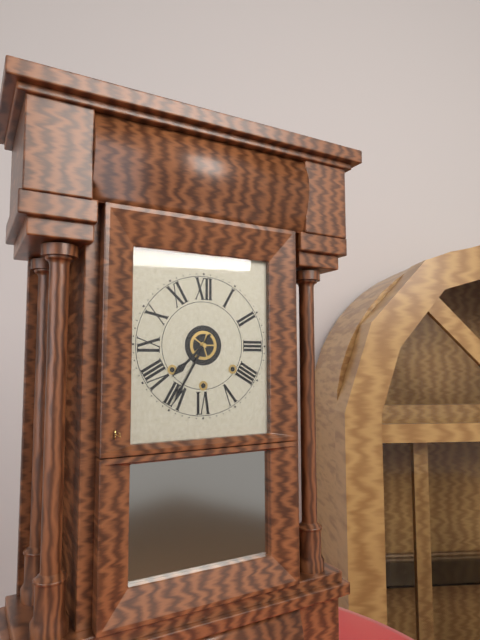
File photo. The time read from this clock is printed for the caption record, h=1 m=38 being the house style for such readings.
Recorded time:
h=7 m=35
